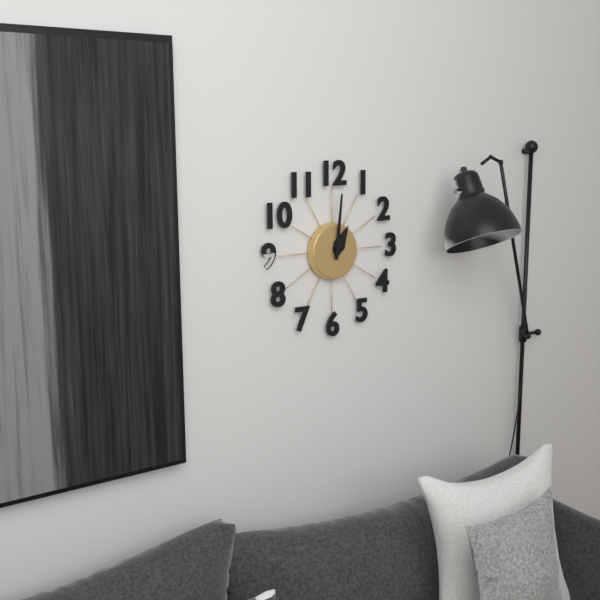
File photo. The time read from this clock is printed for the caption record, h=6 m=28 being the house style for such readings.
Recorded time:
h=1 m=1
